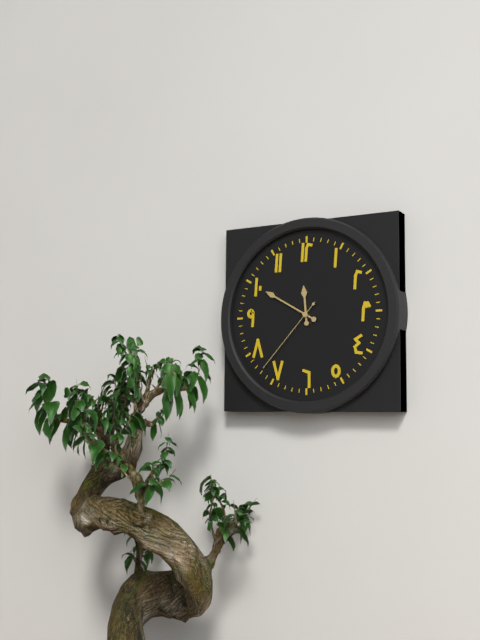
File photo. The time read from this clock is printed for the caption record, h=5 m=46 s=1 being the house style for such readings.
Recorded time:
h=11 m=50 s=37
